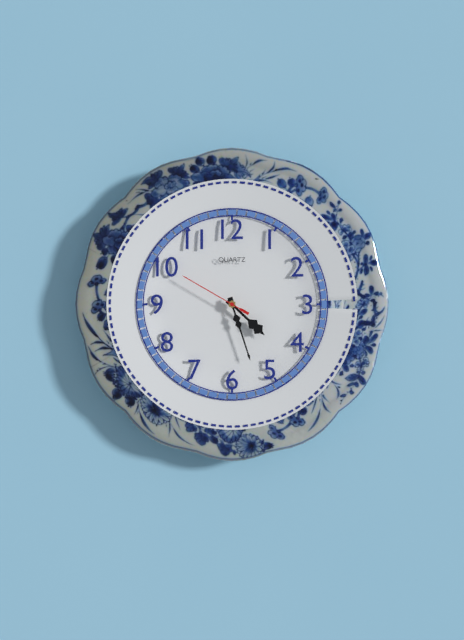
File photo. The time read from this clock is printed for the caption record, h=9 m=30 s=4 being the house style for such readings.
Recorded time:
h=4 m=27 s=50
